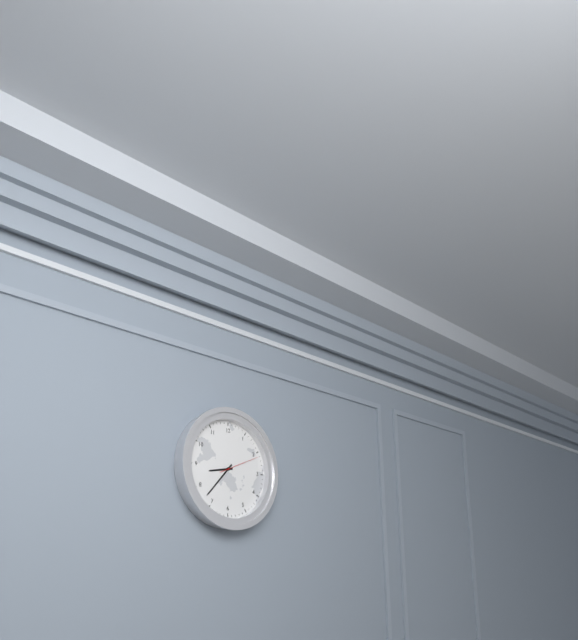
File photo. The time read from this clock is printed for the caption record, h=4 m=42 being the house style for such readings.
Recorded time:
h=8 m=37
